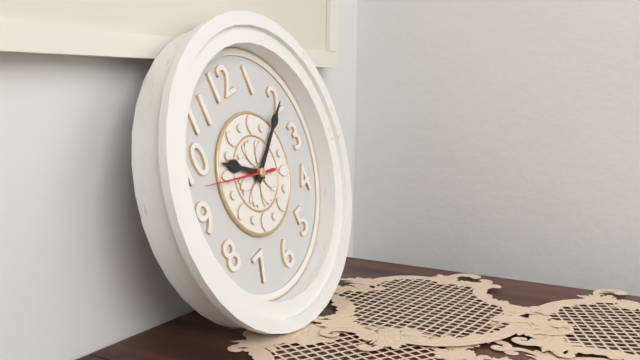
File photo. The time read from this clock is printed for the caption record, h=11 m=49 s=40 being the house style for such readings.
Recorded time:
h=10 m=10 s=48
